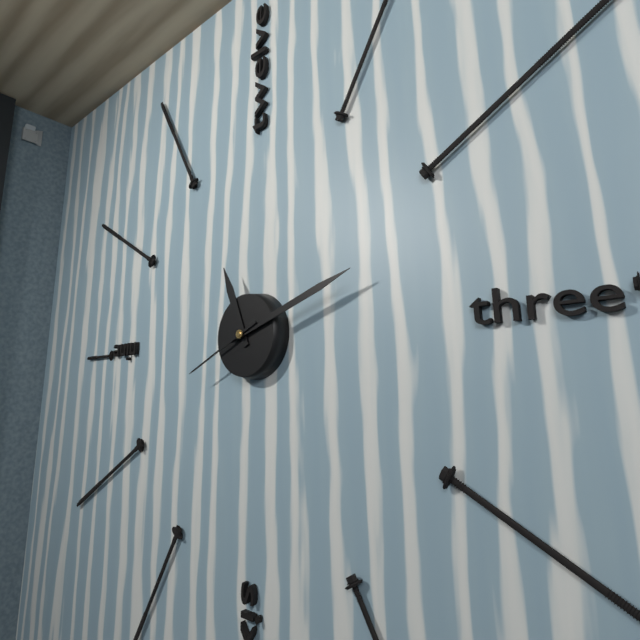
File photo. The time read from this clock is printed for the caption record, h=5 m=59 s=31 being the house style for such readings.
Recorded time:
h=11 m=12 s=41
